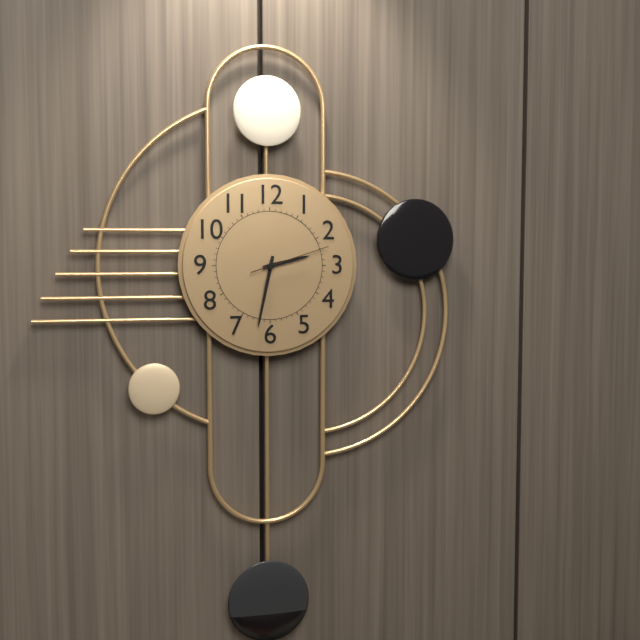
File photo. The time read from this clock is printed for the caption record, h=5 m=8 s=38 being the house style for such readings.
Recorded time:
h=2 m=32 s=12
